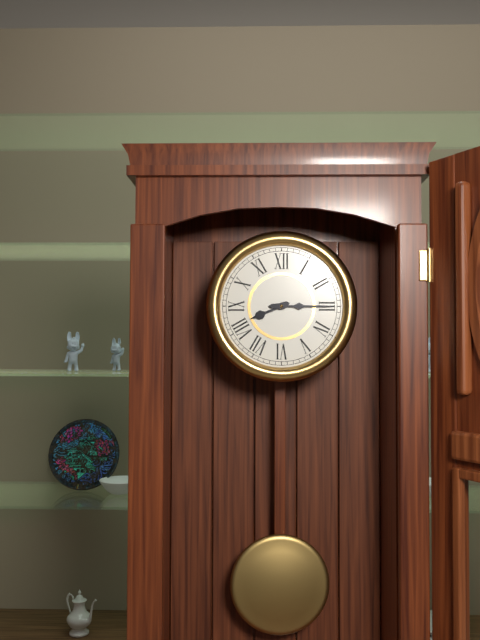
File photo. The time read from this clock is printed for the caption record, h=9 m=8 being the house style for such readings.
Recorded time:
h=8 m=15
